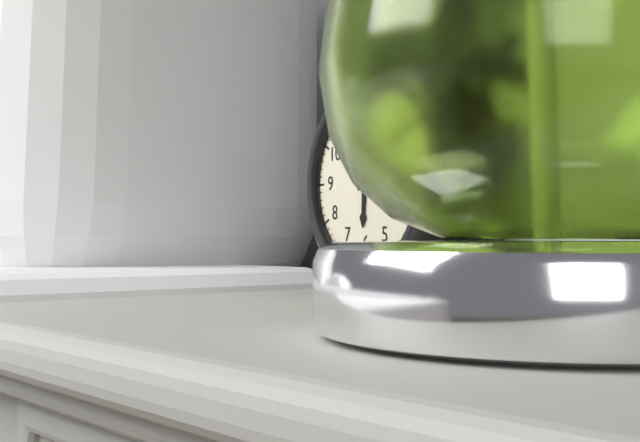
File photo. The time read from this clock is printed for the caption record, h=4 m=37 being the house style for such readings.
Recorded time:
h=6 m=9
